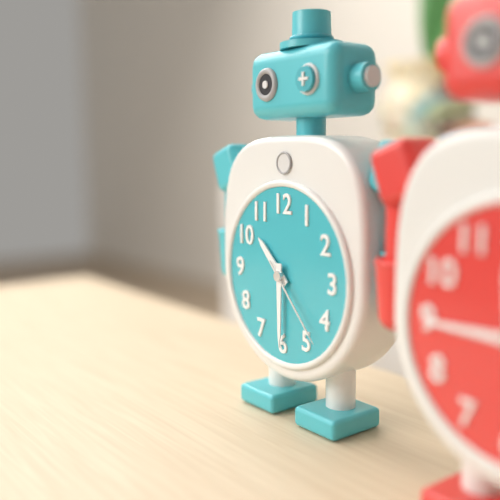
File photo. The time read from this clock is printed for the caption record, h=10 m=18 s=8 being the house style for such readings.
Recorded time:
h=10 m=30 s=23
